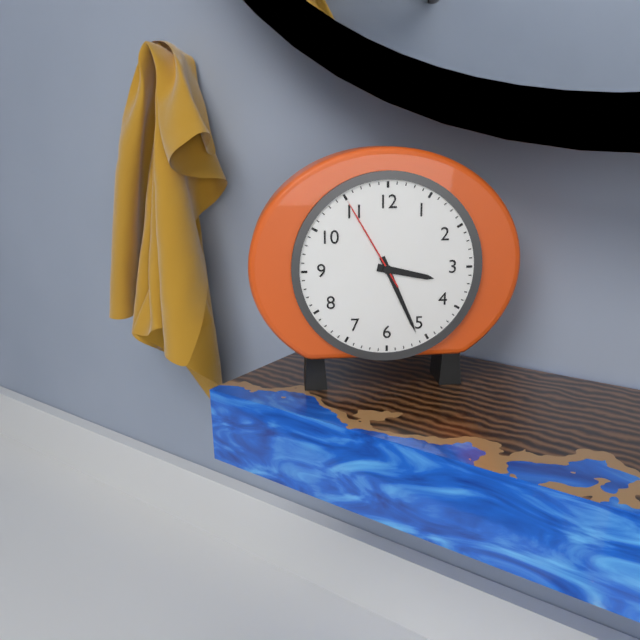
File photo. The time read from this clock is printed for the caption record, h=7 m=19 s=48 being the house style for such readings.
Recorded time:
h=3 m=26 s=55
